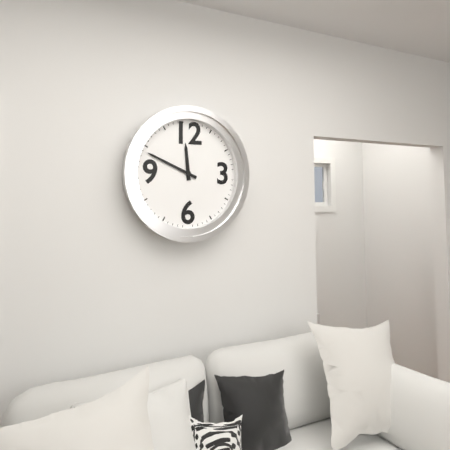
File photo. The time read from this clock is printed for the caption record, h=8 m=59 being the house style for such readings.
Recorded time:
h=11 m=49
